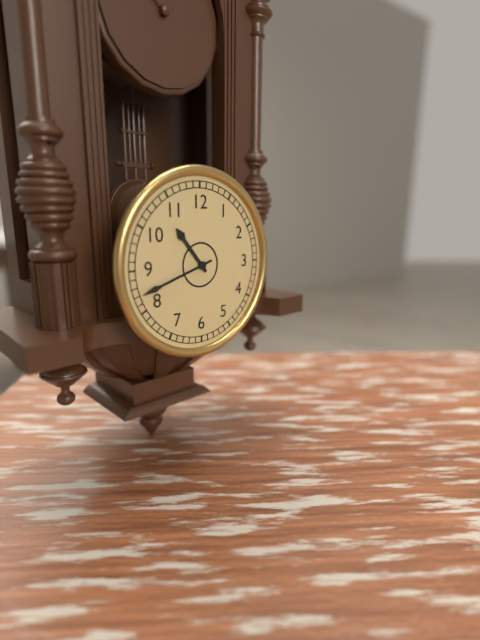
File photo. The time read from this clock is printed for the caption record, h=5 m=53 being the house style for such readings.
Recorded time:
h=10 m=42
